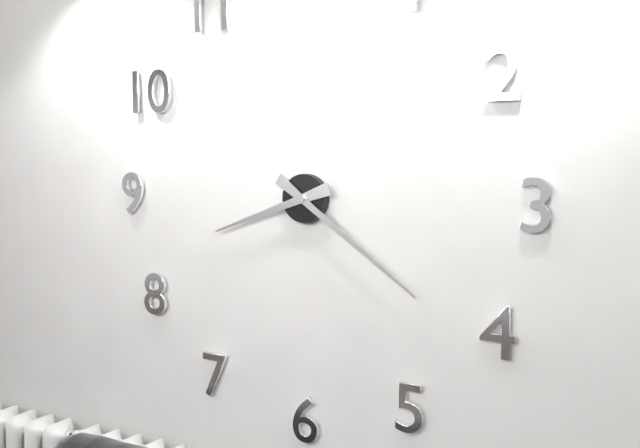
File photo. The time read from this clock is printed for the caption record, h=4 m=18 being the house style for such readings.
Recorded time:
h=8 m=21
